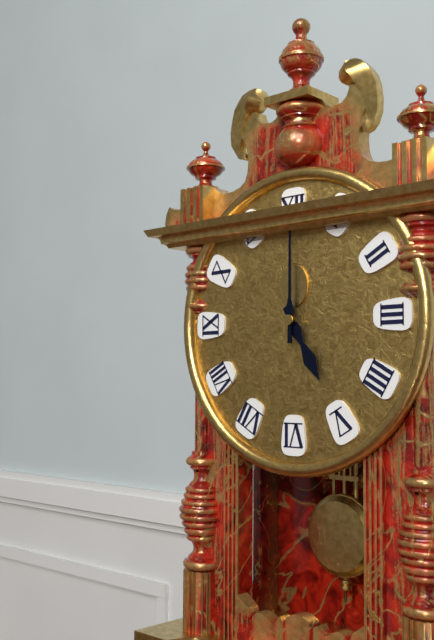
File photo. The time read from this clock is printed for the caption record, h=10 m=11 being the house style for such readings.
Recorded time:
h=5 m=0
